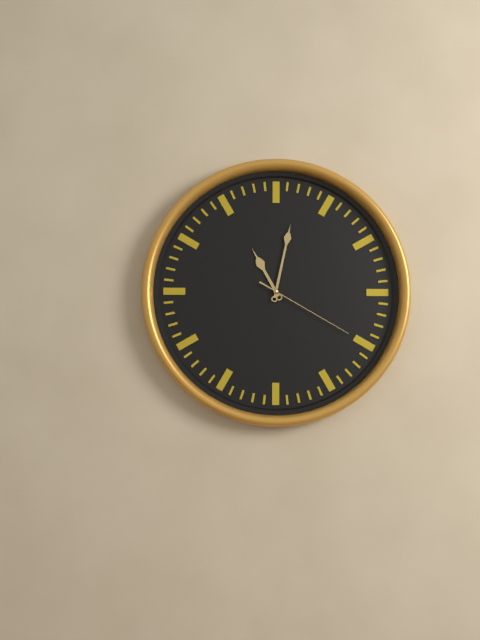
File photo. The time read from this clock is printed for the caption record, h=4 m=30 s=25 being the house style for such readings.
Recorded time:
h=11 m=2 s=20
